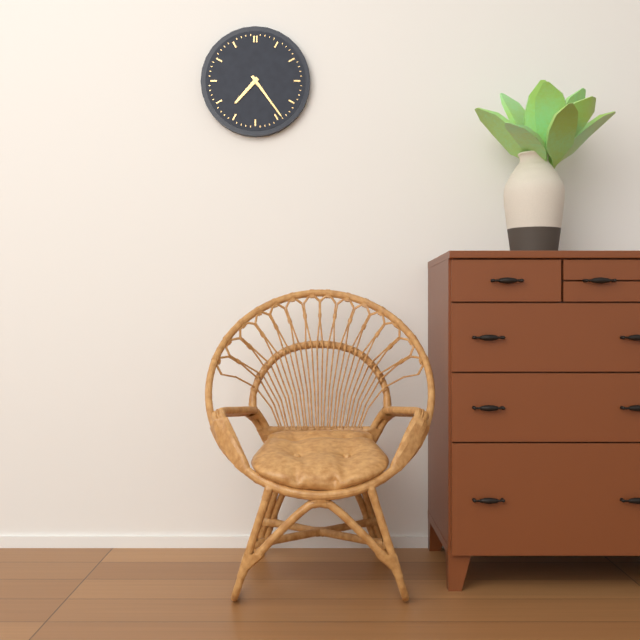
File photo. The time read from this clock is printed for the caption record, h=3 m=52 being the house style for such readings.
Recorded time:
h=7 m=24
